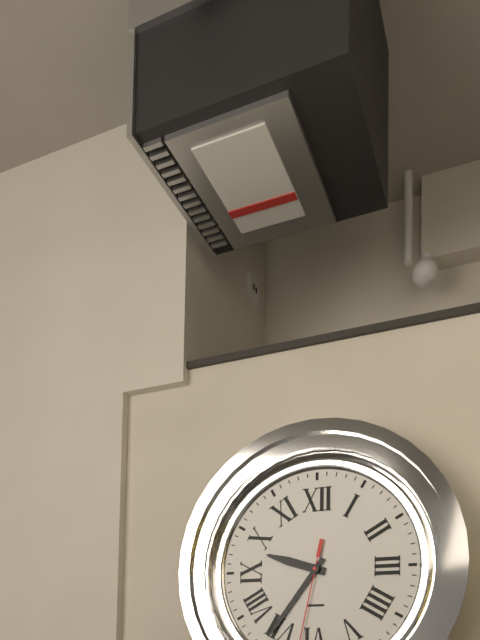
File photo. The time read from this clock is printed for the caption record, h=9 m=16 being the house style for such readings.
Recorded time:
h=9 m=36
